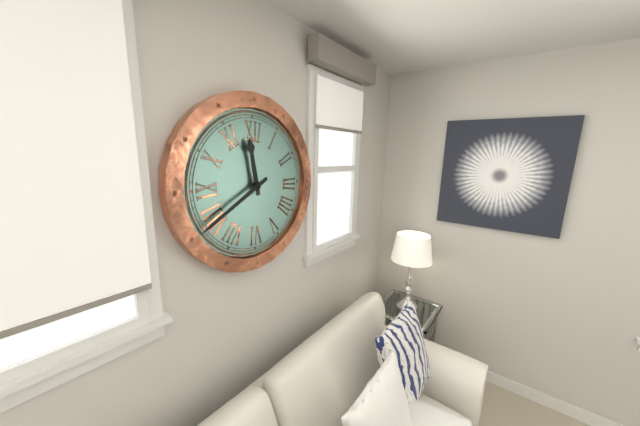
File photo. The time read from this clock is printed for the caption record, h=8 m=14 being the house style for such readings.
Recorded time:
h=11 m=40
